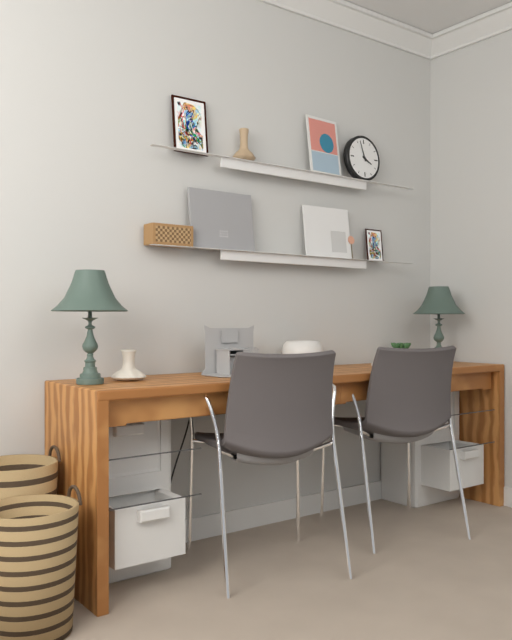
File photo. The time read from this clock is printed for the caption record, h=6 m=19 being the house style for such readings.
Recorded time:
h=3 m=57
